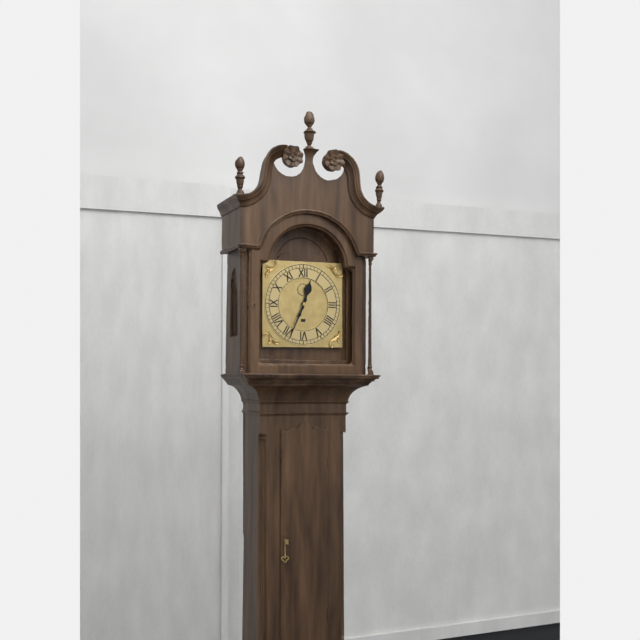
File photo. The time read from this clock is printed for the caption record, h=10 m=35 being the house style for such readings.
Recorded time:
h=12 m=34
